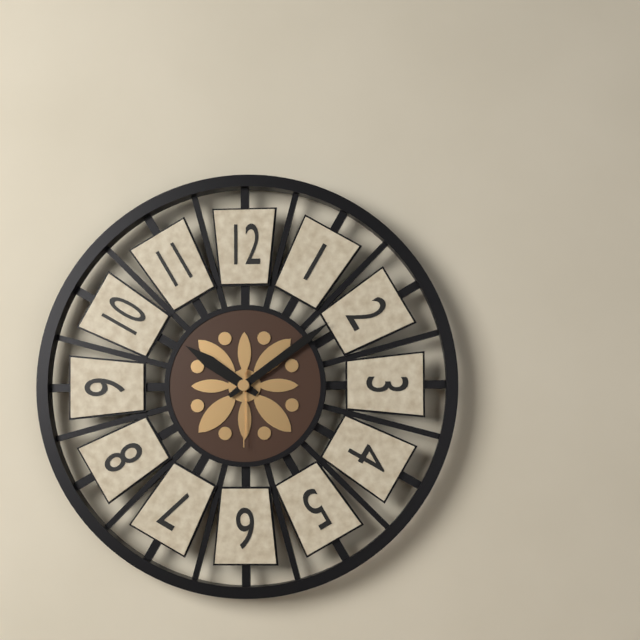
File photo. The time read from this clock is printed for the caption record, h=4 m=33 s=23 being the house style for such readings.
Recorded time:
h=10 m=9 s=30
